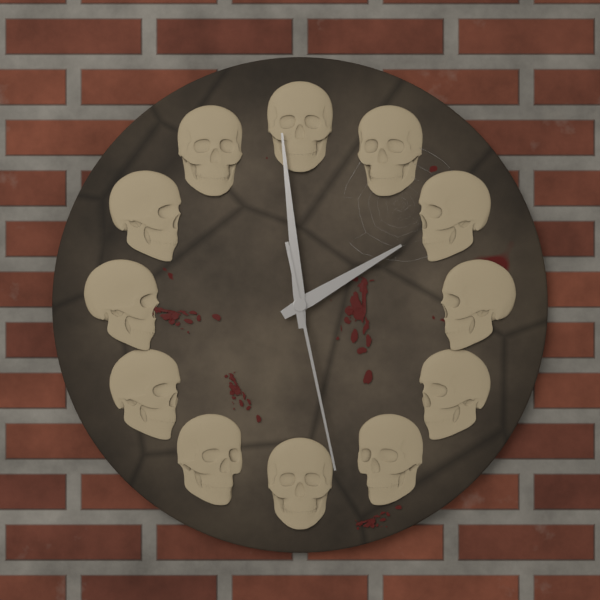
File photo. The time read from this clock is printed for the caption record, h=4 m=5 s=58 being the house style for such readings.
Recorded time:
h=1 m=59 s=28
